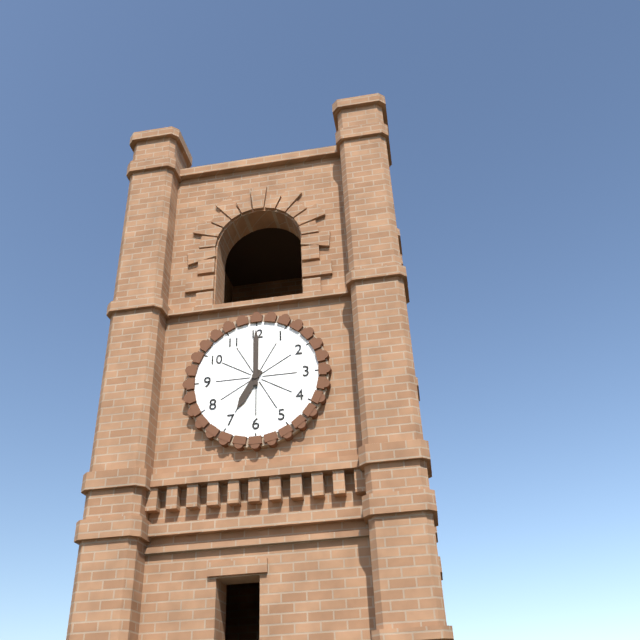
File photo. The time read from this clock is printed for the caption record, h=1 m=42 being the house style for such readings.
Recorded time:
h=7 m=0
